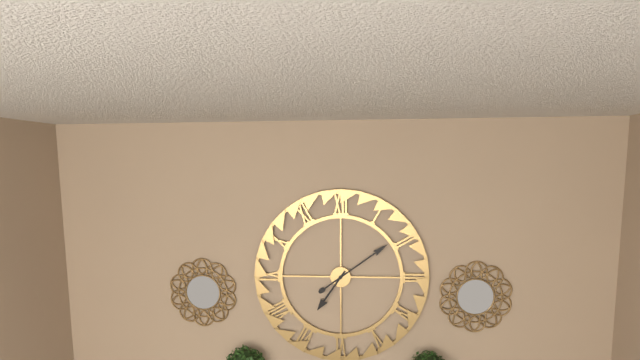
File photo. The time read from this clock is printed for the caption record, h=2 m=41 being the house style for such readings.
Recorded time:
h=7 m=9
